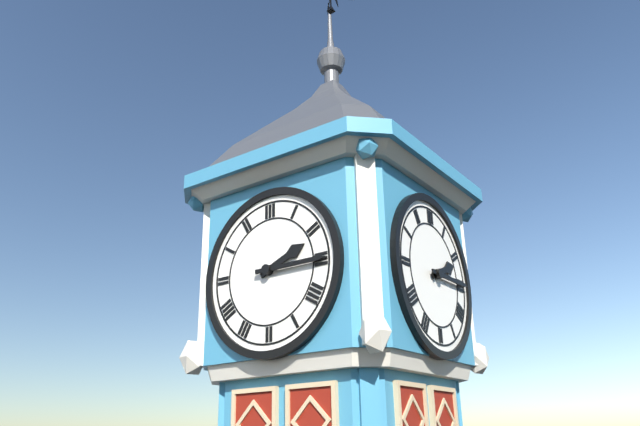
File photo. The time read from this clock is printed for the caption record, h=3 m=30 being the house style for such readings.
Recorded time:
h=2 m=15
